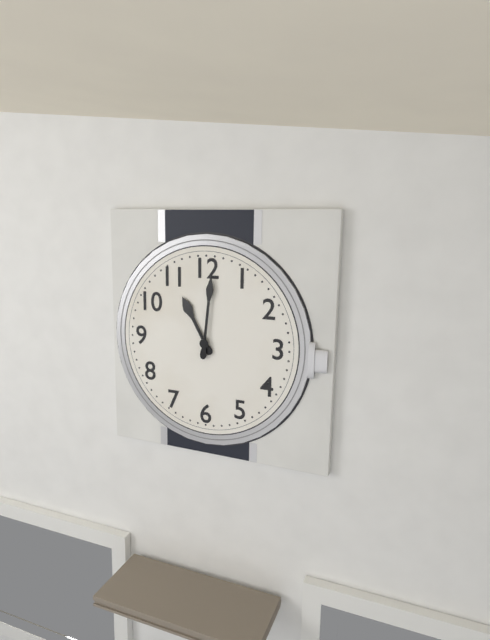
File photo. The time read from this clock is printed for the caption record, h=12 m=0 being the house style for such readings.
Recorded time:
h=11 m=1
